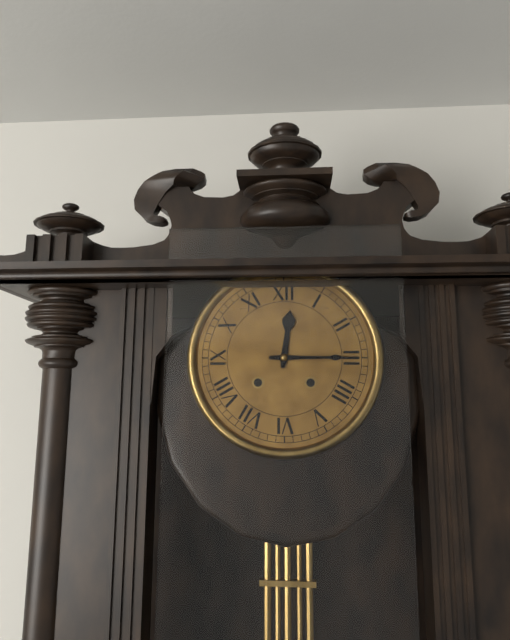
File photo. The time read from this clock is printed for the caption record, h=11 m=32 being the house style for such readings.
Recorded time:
h=12 m=15
